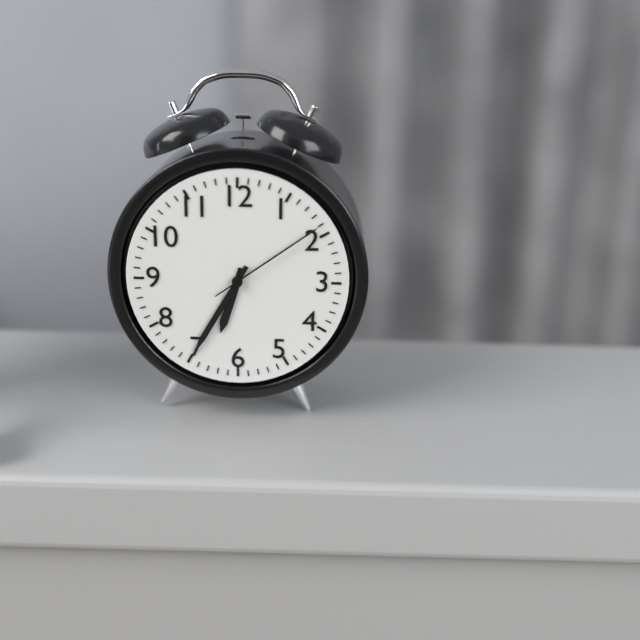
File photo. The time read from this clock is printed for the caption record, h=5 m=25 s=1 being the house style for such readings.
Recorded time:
h=6 m=35 s=9
